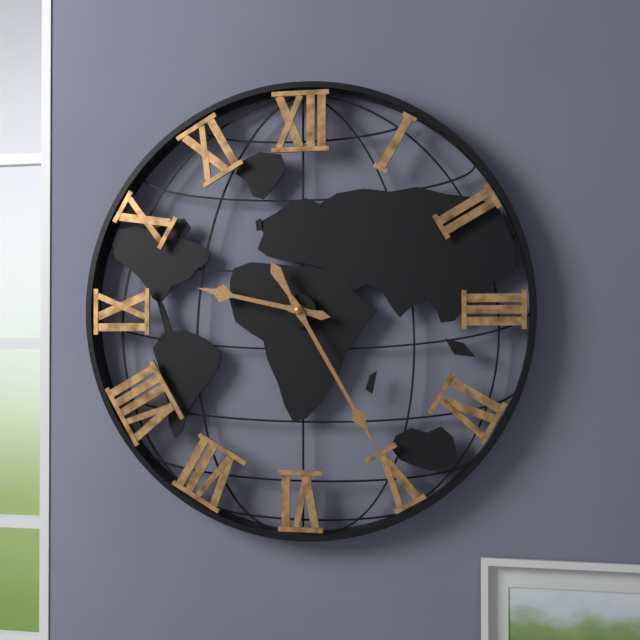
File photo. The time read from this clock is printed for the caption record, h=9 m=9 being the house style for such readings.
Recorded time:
h=9 m=25
